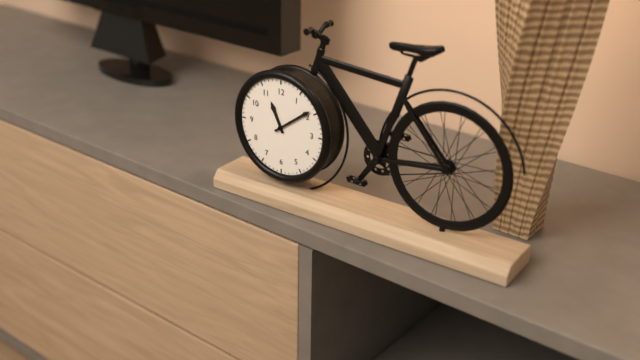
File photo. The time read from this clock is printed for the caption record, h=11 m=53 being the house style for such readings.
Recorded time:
h=11 m=9
